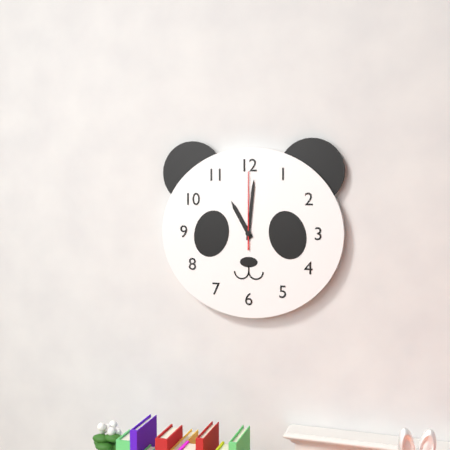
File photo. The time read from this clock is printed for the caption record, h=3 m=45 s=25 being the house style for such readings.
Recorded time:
h=11 m=1 s=0
